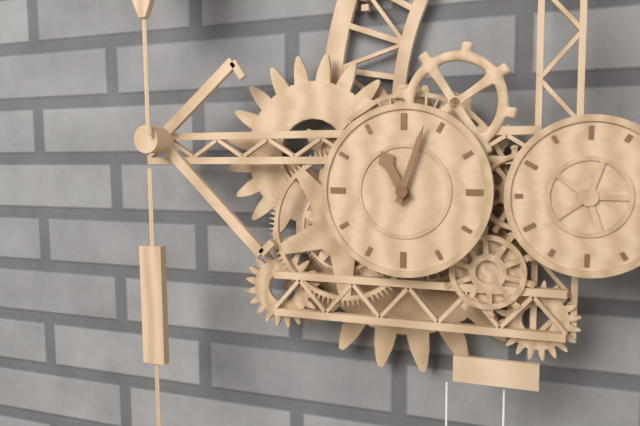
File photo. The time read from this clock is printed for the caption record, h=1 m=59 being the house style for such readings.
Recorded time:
h=11 m=3
